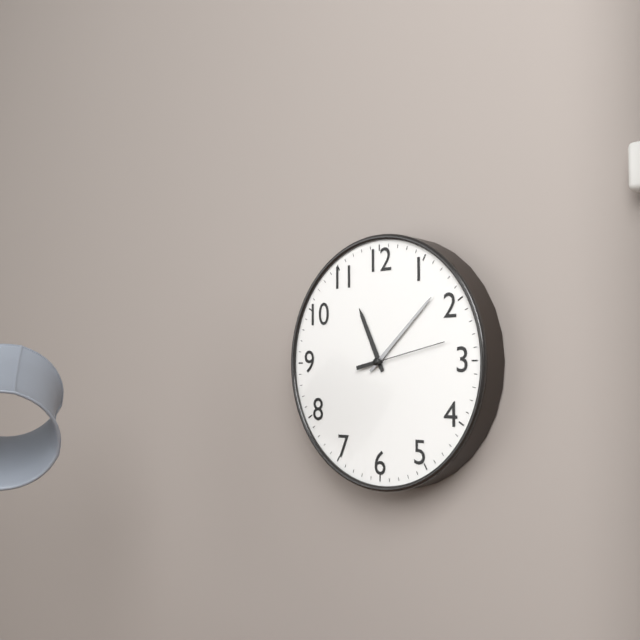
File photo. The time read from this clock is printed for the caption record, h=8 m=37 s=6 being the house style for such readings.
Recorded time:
h=11 m=8 s=13
